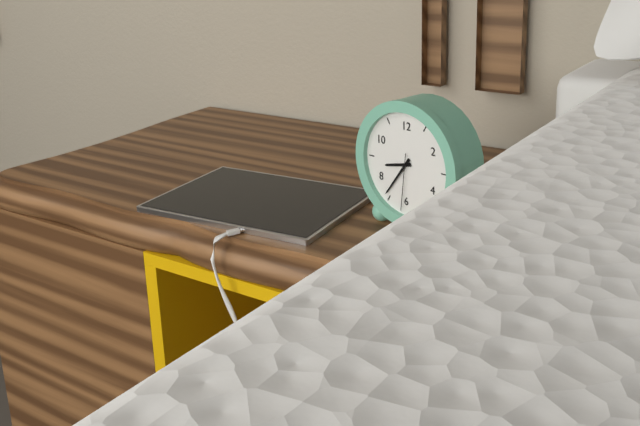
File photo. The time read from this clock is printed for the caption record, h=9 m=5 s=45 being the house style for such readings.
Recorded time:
h=8 m=36 s=31
